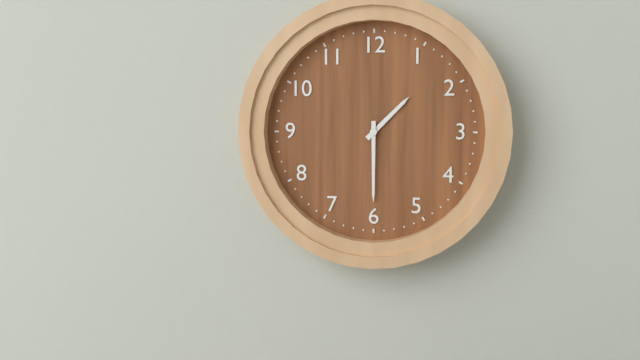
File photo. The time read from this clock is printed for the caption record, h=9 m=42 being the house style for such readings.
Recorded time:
h=1 m=30
